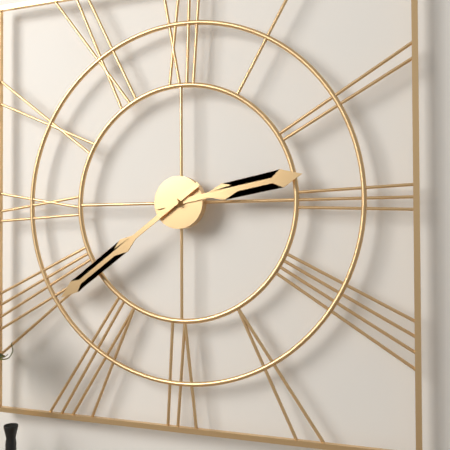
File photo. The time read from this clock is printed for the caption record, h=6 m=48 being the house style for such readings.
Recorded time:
h=2 m=39
